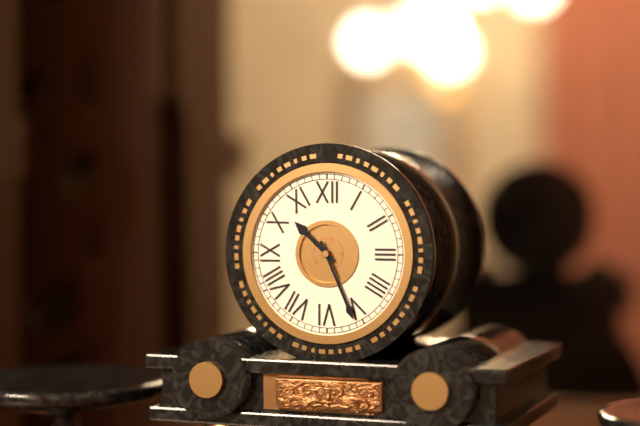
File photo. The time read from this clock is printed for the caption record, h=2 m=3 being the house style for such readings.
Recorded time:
h=10 m=26
